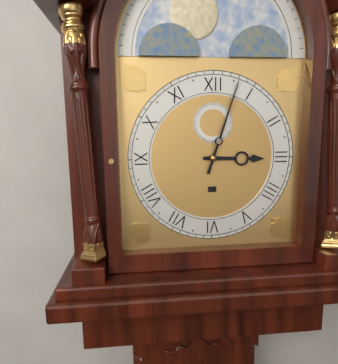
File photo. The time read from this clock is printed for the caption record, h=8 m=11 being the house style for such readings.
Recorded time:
h=3 m=3
